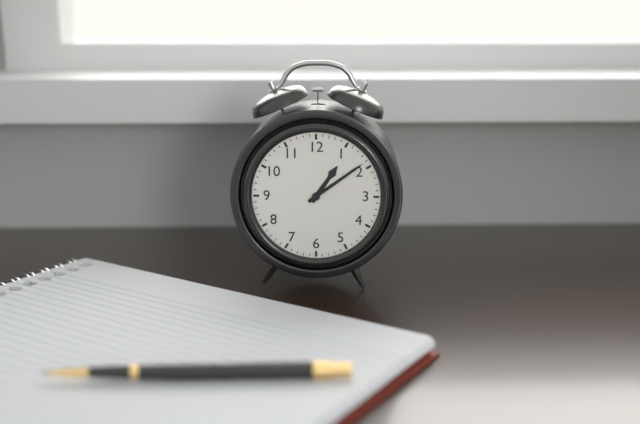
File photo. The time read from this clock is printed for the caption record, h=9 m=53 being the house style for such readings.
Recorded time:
h=1 m=9
